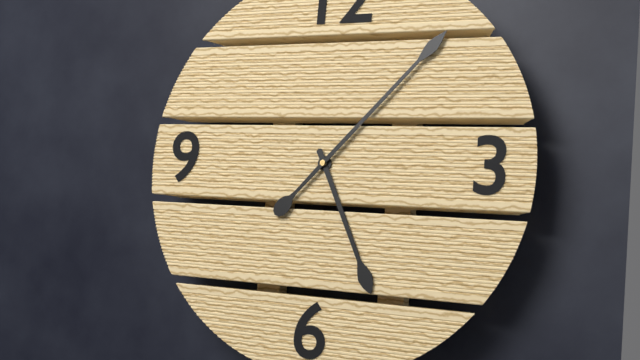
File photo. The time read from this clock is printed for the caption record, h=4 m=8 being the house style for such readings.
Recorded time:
h=5 m=7
